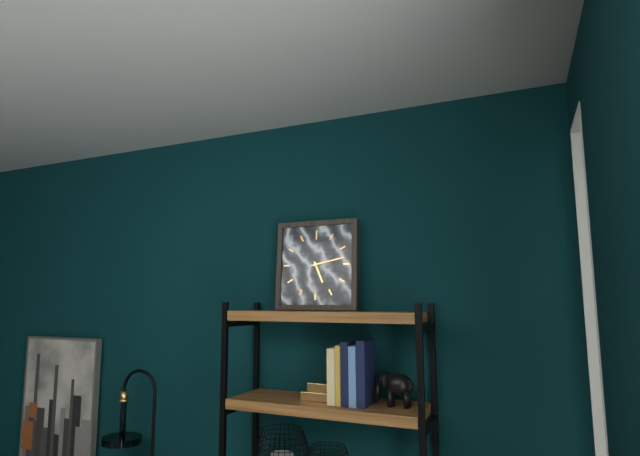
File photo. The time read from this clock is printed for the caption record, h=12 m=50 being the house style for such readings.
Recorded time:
h=5 m=13
